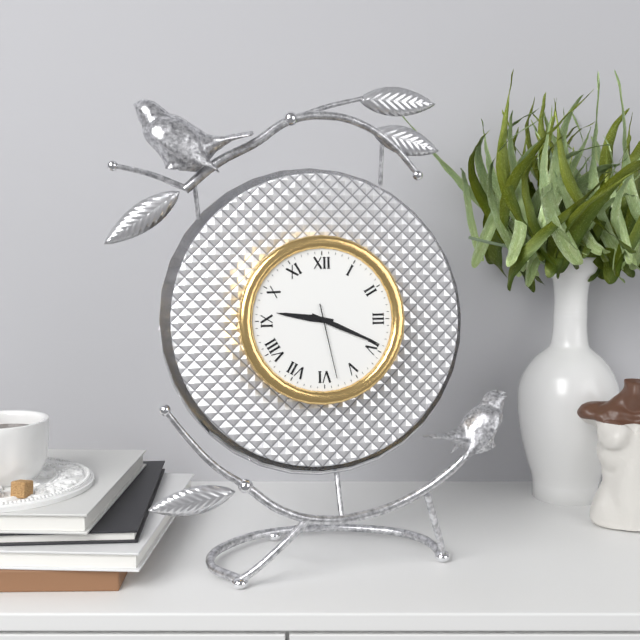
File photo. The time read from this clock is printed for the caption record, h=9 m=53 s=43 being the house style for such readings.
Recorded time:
h=9 m=19 s=28
